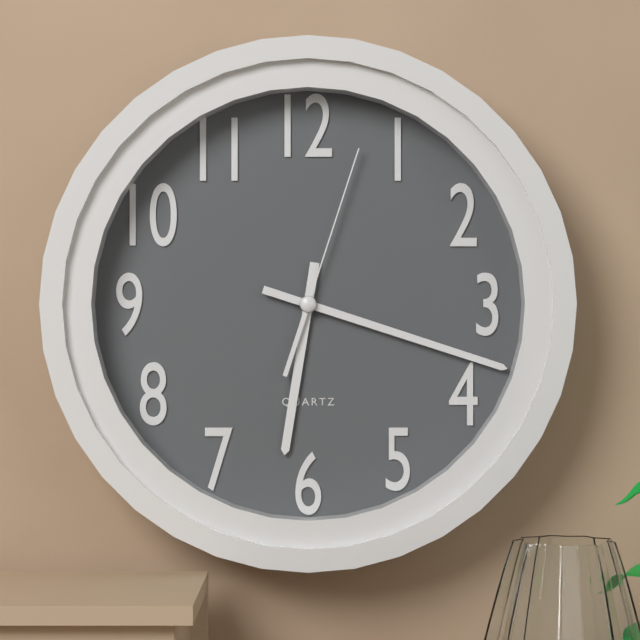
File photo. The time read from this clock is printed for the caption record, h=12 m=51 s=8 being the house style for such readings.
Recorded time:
h=6 m=18 s=3
